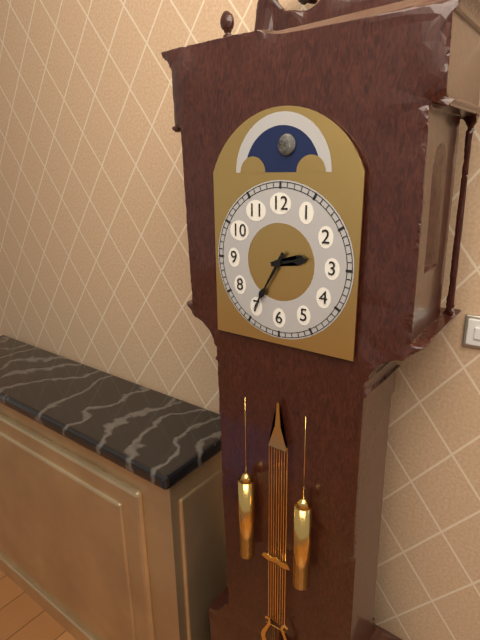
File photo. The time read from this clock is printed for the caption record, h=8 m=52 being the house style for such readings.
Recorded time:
h=2 m=35
